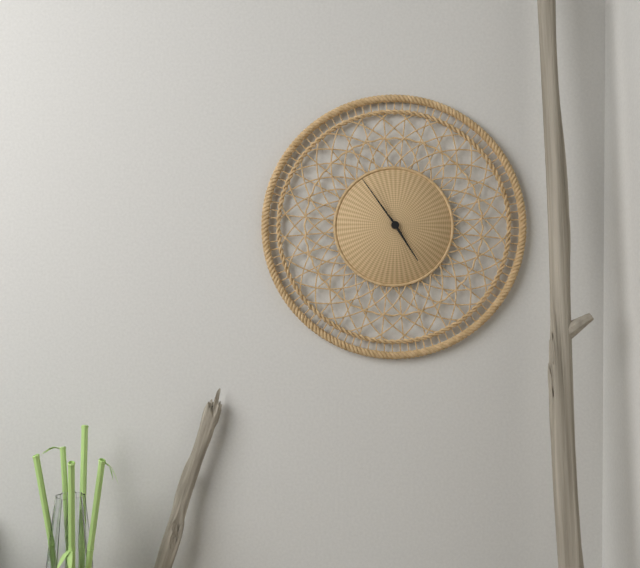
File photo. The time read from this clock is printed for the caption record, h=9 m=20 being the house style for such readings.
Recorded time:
h=4 m=54
